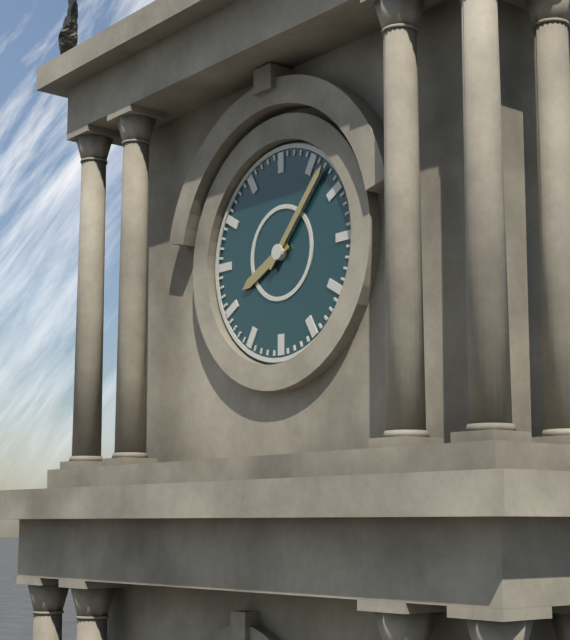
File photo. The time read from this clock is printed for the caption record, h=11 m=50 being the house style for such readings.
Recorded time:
h=8 m=7
